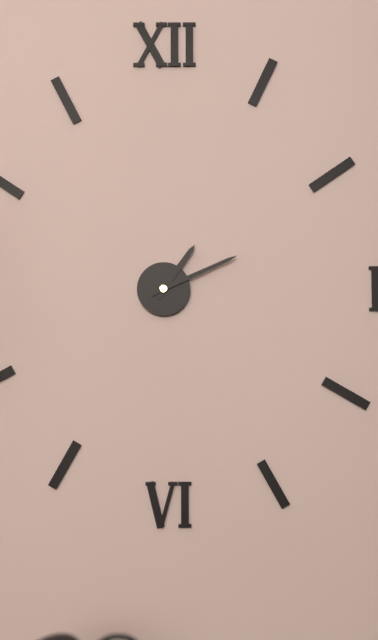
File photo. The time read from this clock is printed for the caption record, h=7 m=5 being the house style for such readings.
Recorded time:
h=1 m=11
